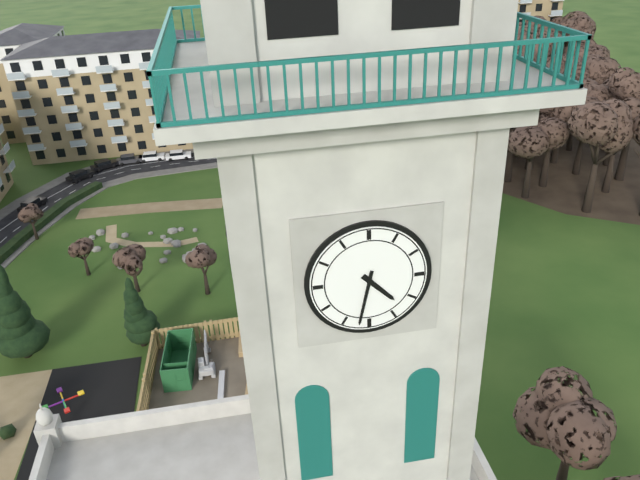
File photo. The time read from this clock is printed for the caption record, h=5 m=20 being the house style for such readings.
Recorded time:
h=4 m=32
